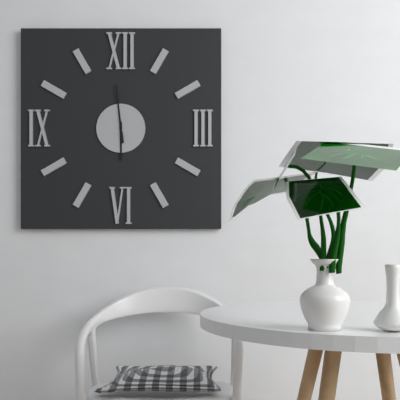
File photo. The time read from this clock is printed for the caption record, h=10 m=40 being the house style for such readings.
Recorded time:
h=5 m=59
